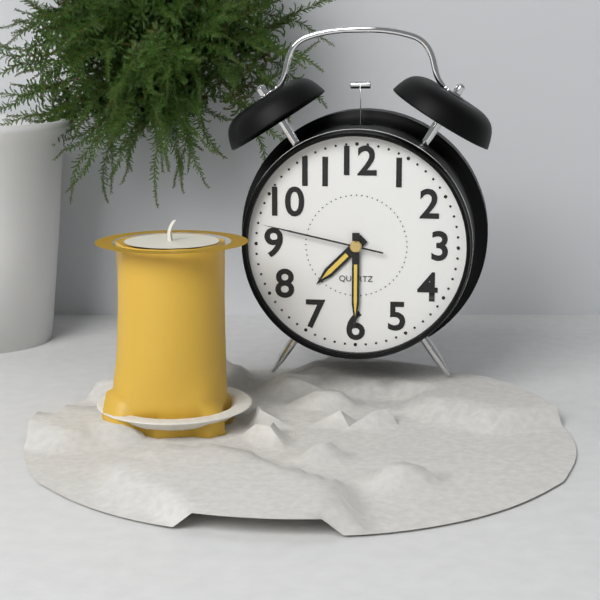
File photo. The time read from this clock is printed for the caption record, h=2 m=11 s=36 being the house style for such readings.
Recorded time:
h=7 m=30 s=47
